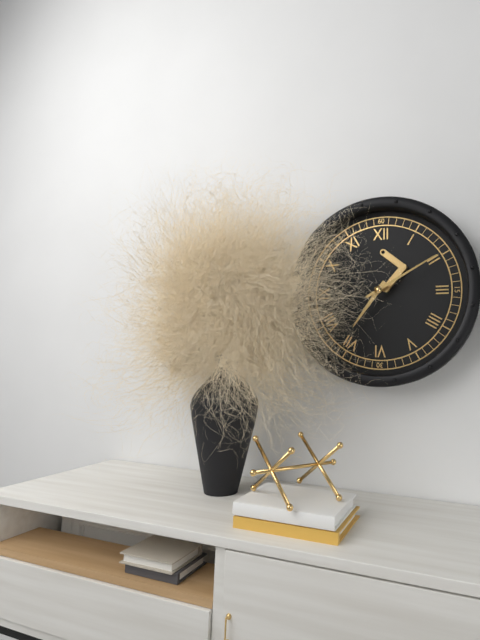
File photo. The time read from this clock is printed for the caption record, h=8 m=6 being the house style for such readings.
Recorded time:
h=7 m=10
